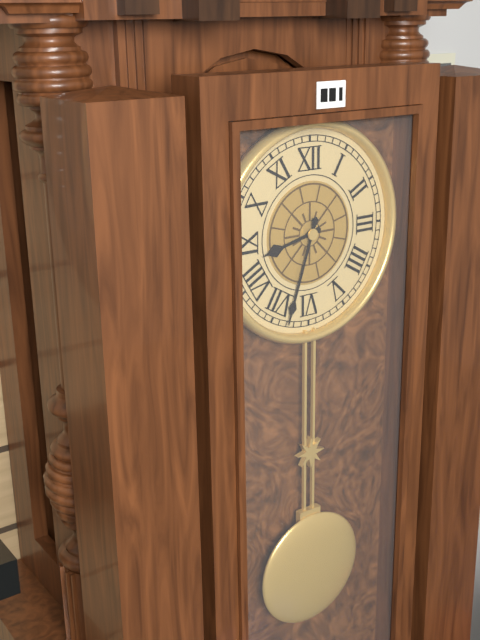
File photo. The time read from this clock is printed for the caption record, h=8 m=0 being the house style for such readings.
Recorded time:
h=8 m=33
